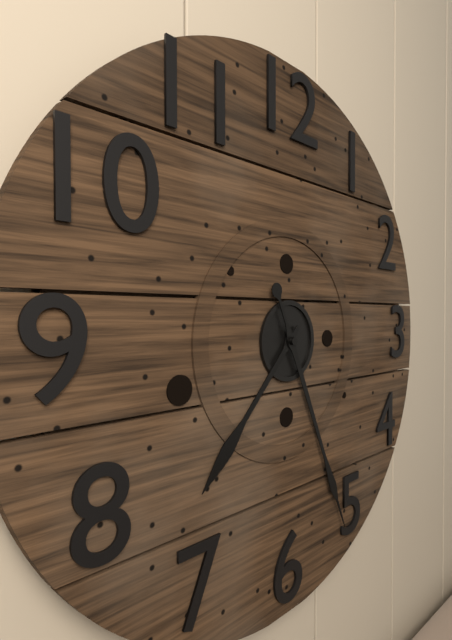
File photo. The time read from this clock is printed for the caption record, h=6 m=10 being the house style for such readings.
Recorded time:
h=7 m=26
